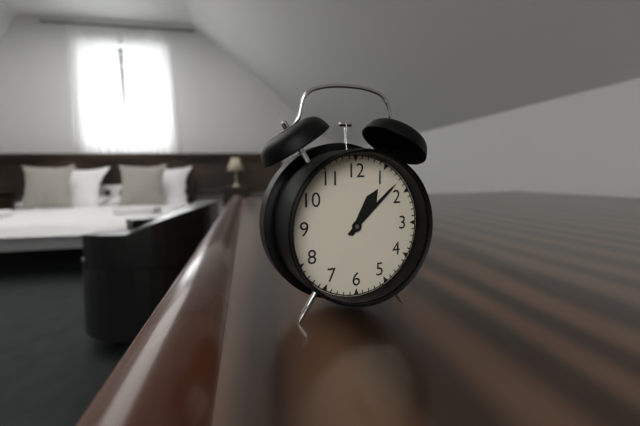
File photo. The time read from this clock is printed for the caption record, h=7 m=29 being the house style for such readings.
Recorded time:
h=1 m=8
